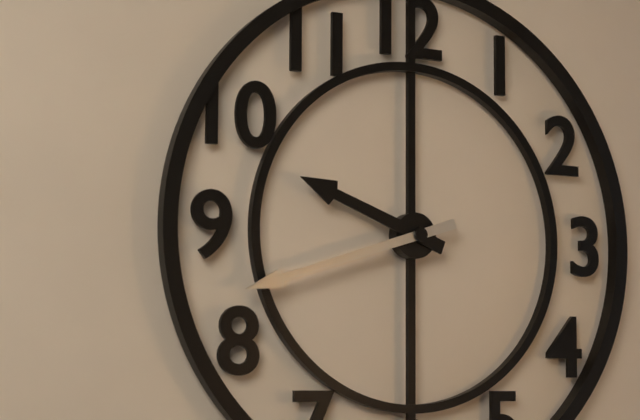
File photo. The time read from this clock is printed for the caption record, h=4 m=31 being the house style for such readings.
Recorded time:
h=9 m=42
